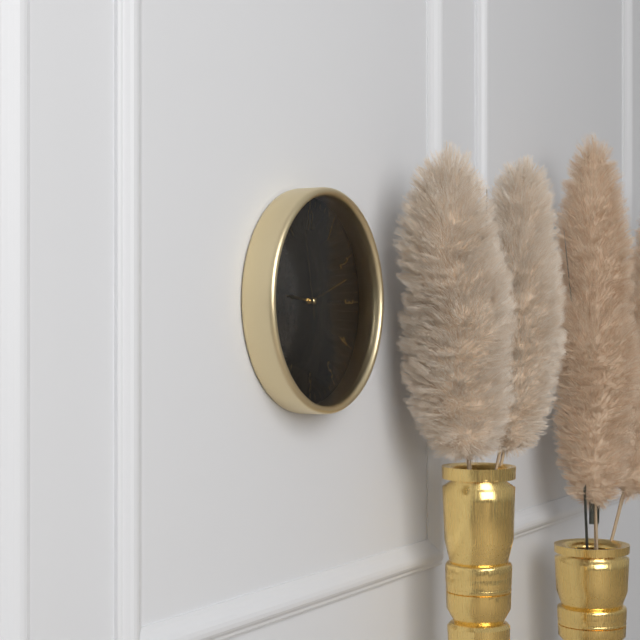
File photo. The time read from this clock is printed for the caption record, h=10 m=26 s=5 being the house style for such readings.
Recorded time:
h=9 m=12 s=58
